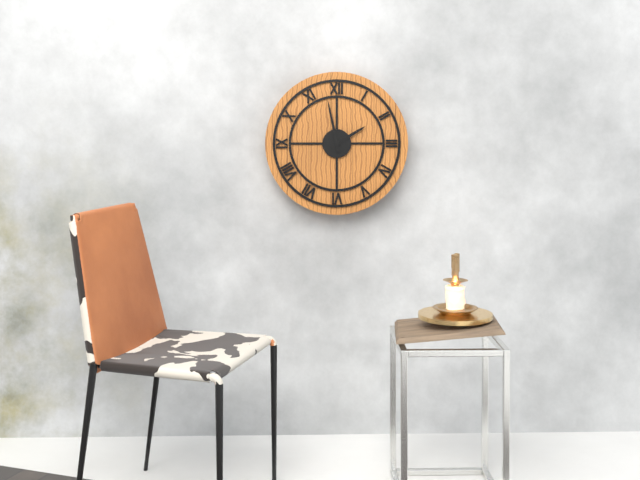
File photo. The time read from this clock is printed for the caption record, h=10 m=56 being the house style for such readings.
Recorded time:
h=1 m=58
